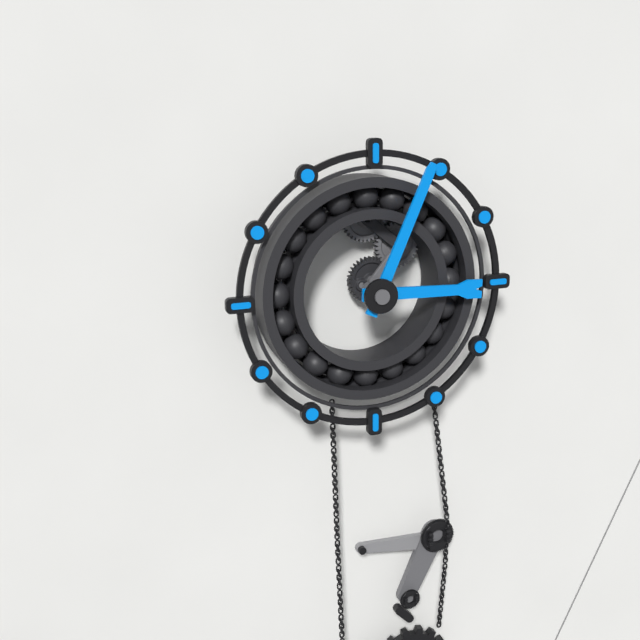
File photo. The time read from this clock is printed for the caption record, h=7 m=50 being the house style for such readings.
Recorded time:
h=3 m=4
